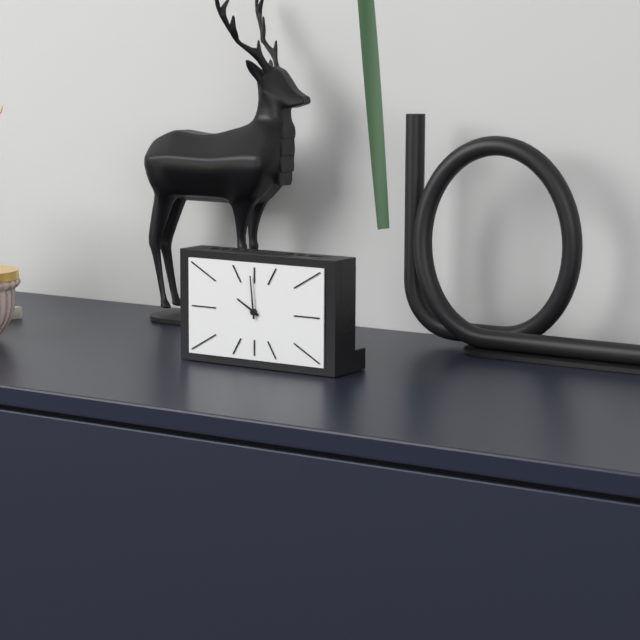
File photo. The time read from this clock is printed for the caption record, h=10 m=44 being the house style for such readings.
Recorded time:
h=9 m=59
